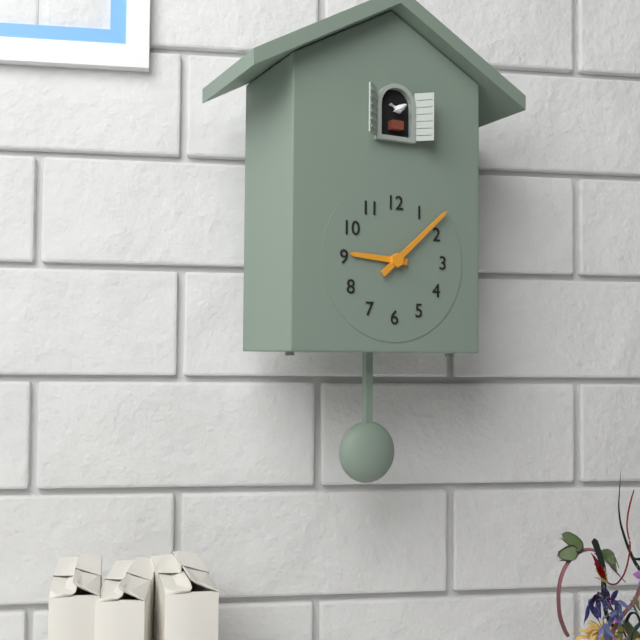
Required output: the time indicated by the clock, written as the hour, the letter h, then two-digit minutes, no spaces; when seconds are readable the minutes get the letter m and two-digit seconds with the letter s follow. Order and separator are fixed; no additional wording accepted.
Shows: 9h08
